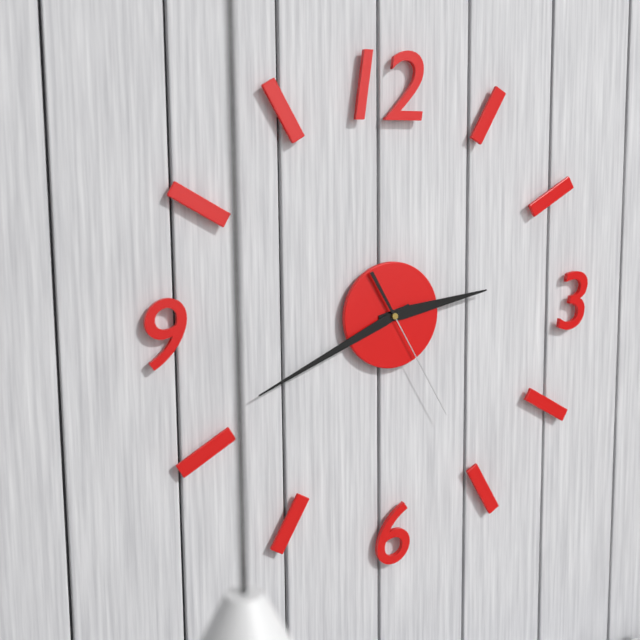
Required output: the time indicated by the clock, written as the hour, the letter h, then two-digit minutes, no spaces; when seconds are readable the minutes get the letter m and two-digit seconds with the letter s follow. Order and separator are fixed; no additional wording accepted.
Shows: 2h41m25s
